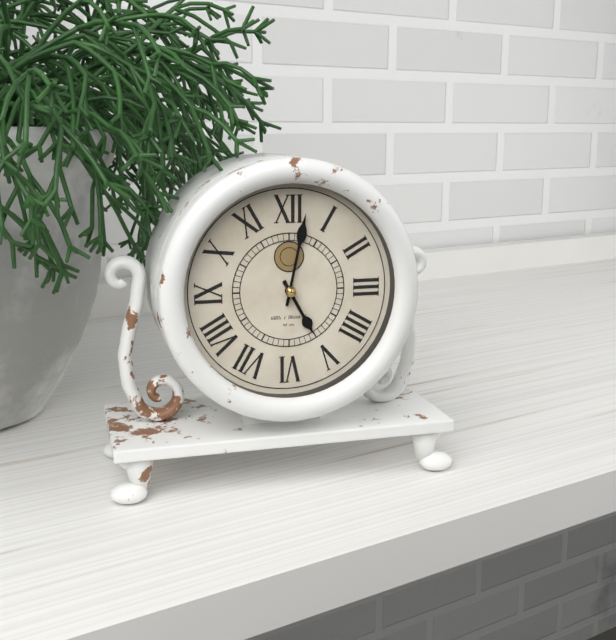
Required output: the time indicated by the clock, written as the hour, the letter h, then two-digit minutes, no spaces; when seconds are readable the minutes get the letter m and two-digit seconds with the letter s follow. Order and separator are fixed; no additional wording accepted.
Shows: 5h02
